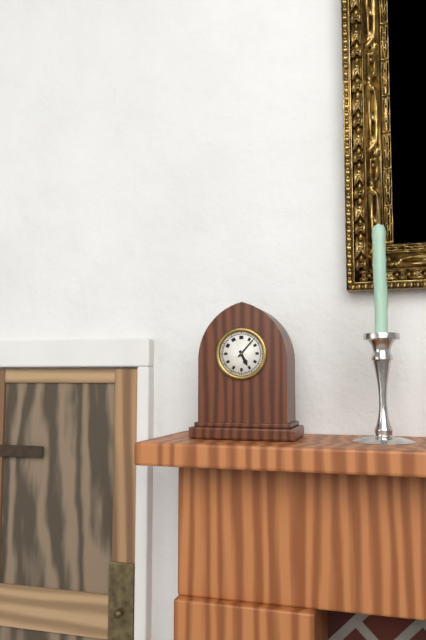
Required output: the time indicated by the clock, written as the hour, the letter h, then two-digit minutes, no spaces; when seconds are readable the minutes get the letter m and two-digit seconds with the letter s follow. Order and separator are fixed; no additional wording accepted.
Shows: 5h07
